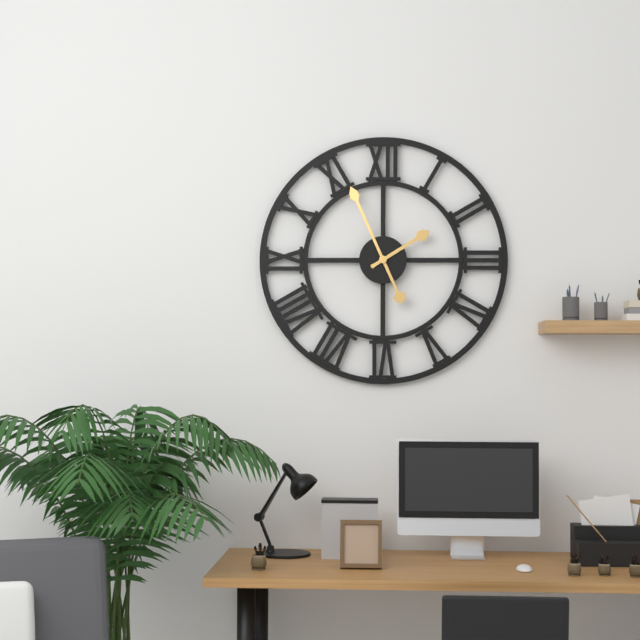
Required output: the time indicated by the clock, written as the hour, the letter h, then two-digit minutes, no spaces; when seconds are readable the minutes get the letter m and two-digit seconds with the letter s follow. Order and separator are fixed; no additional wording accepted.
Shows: 1h56
